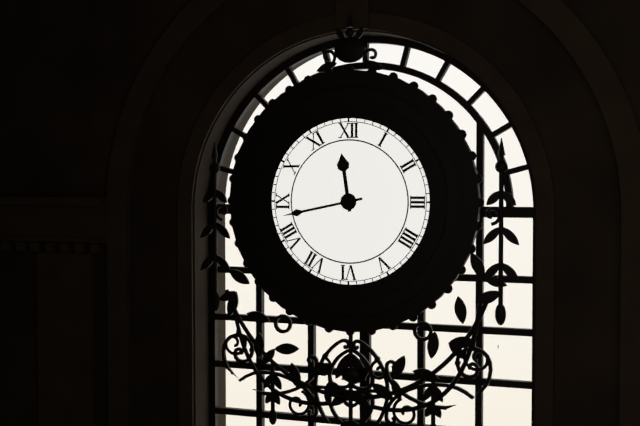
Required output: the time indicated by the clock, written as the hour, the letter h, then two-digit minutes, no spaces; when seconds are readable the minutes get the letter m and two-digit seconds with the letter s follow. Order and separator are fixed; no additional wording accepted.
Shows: 11h43
